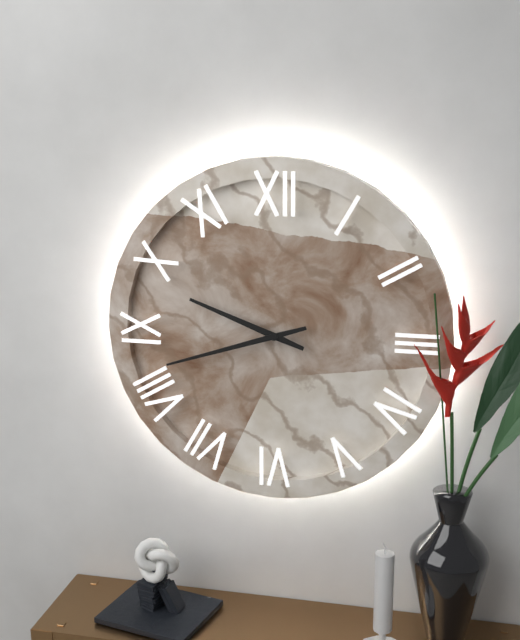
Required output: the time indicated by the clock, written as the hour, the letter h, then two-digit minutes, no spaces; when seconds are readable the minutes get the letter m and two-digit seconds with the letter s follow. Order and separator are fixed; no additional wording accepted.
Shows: 9h42
